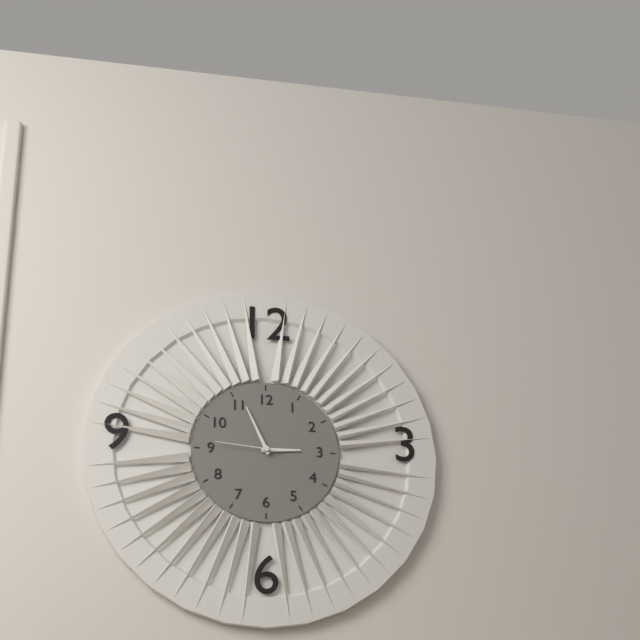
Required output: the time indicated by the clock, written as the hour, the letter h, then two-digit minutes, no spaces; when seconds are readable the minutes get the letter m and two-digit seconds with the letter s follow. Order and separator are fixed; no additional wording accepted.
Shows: 2h56m46s
